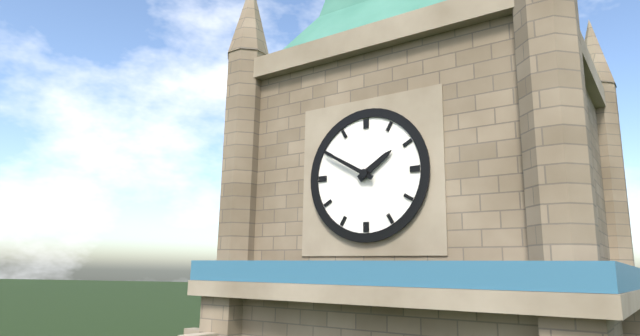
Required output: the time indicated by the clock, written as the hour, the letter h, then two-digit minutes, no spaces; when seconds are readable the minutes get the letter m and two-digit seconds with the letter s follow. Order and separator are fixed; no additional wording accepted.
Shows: 1h50
